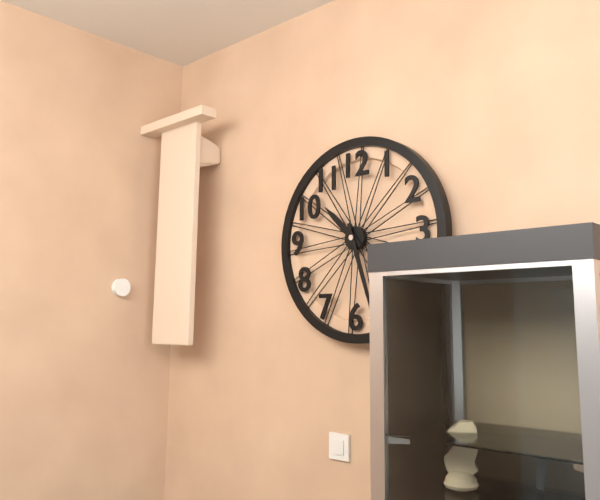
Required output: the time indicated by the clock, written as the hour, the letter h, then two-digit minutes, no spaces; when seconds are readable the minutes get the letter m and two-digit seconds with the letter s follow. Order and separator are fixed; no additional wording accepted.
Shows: 10h27
